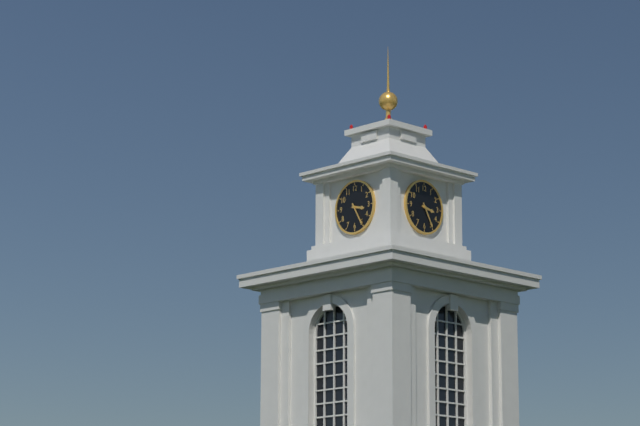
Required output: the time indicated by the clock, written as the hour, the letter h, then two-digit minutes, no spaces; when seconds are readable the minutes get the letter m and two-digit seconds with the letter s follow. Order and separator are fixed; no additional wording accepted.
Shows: 3h25
